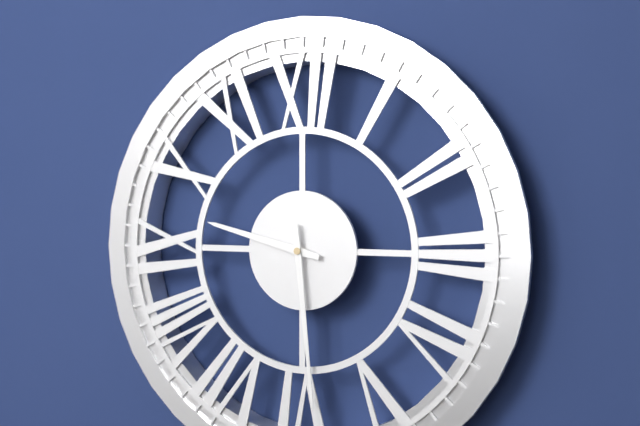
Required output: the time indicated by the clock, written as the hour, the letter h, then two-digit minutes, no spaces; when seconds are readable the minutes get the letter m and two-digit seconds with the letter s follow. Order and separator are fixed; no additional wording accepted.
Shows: 9h29
